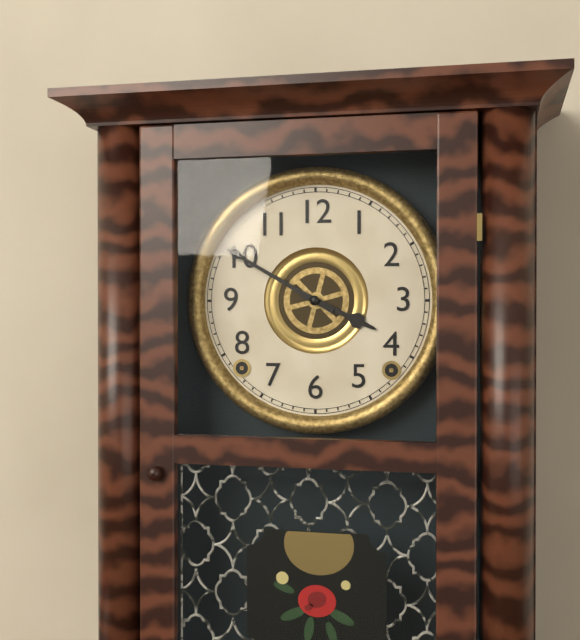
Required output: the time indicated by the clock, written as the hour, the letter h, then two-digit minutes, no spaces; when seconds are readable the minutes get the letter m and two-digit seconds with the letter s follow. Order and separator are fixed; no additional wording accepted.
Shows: 3h50
